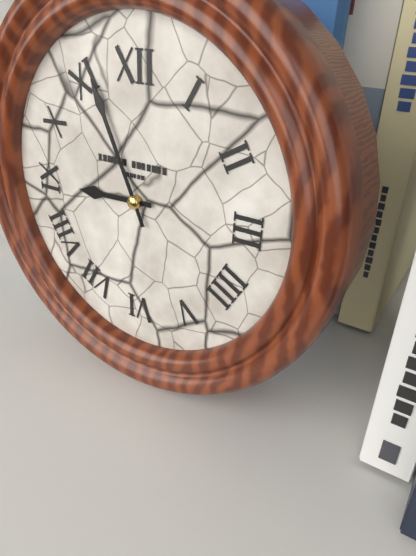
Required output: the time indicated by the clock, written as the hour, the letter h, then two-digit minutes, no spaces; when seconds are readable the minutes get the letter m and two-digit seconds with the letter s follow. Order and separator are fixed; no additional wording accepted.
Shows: 8h56
